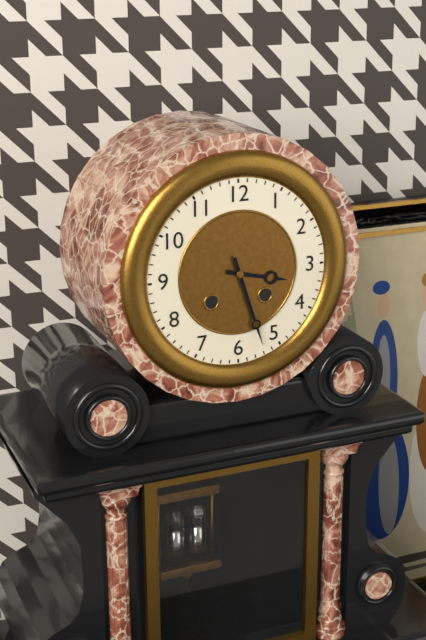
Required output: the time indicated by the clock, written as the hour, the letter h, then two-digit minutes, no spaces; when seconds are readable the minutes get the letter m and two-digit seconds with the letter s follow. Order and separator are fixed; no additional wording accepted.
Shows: 3h27
